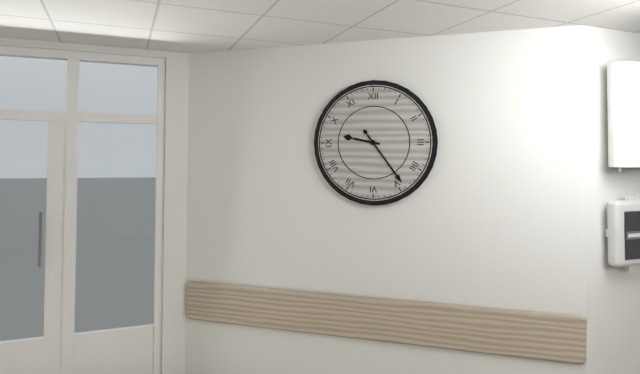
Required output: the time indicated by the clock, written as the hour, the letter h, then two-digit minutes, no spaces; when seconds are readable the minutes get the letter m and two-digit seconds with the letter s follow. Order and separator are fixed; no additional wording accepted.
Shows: 9h24
